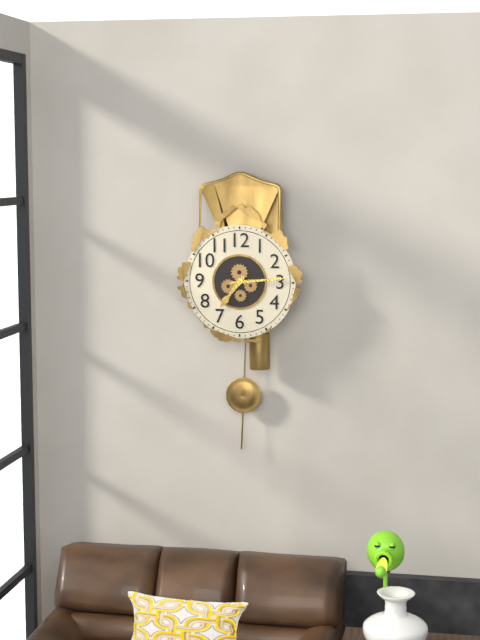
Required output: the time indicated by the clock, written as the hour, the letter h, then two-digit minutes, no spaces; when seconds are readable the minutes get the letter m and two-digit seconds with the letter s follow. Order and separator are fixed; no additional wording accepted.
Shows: 7h14
